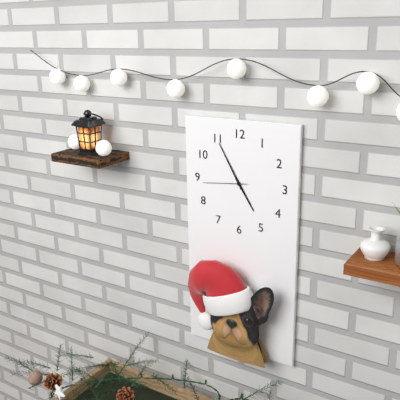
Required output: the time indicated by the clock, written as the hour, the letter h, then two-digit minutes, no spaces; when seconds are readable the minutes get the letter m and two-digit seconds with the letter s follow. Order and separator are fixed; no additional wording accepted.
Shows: 4h55
